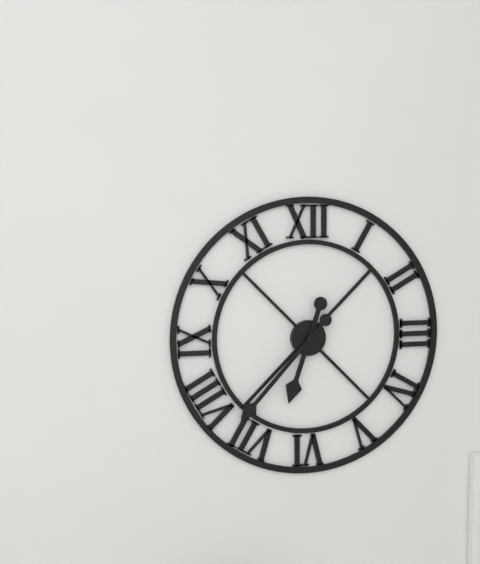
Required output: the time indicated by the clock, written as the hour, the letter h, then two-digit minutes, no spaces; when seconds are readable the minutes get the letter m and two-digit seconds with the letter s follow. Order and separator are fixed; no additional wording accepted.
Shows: 6h37
